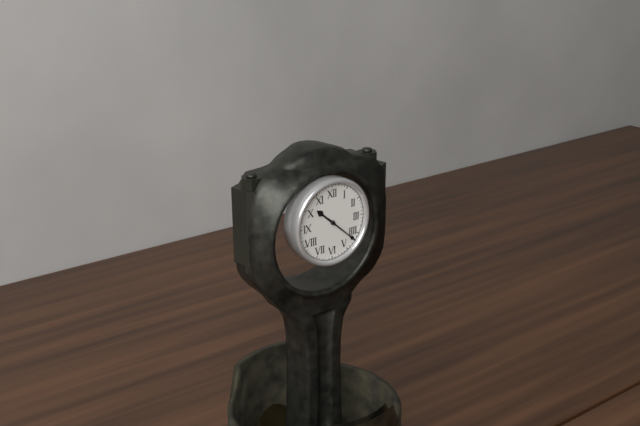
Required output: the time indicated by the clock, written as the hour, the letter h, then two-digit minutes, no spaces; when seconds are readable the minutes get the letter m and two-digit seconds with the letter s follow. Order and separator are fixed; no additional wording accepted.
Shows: 10h22
